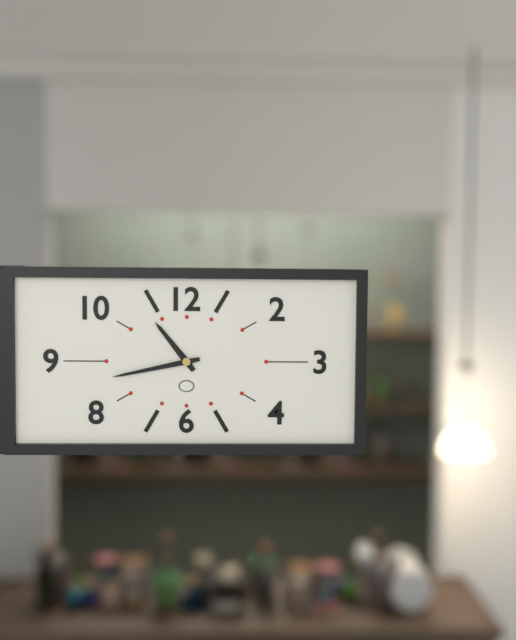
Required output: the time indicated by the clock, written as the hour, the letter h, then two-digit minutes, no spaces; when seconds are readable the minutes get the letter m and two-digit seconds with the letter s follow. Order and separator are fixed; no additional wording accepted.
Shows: 10h43
